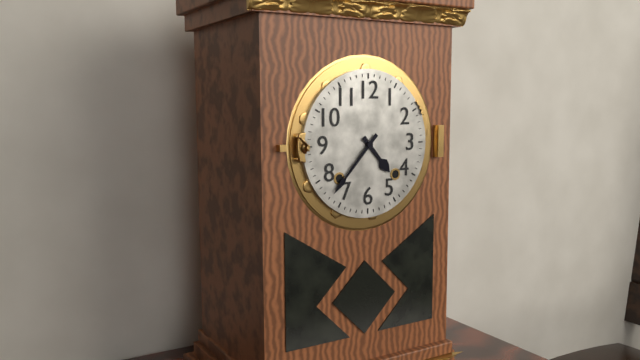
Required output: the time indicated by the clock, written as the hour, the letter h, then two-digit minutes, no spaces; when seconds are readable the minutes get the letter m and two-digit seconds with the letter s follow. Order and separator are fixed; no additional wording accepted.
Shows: 4h37
